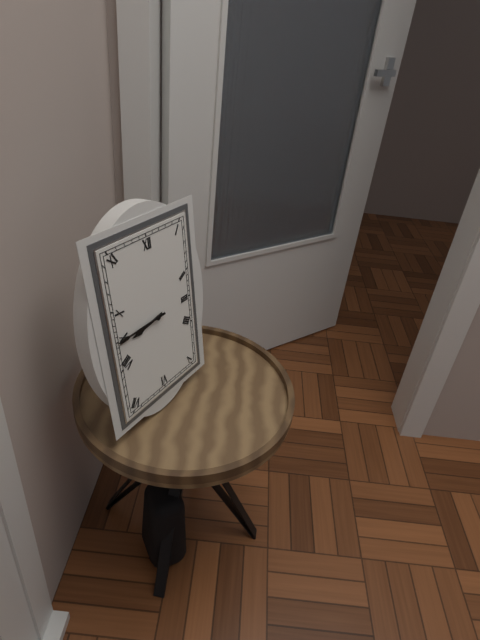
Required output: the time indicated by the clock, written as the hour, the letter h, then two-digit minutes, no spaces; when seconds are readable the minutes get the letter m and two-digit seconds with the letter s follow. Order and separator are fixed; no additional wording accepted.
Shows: 8h45
